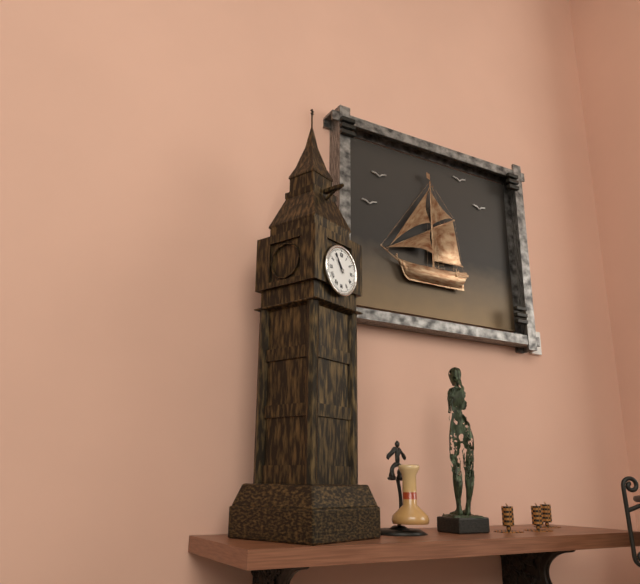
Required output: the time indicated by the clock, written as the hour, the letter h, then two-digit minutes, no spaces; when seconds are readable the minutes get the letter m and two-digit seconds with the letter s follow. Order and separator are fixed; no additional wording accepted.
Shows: 10h54
